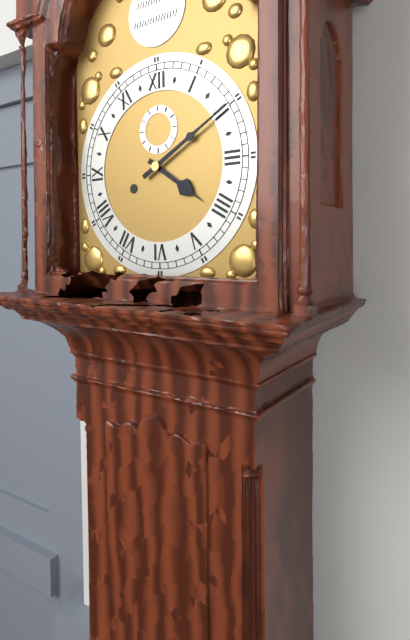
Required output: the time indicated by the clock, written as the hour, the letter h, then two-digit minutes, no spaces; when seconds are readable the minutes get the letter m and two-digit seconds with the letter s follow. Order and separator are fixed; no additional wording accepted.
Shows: 4h10
